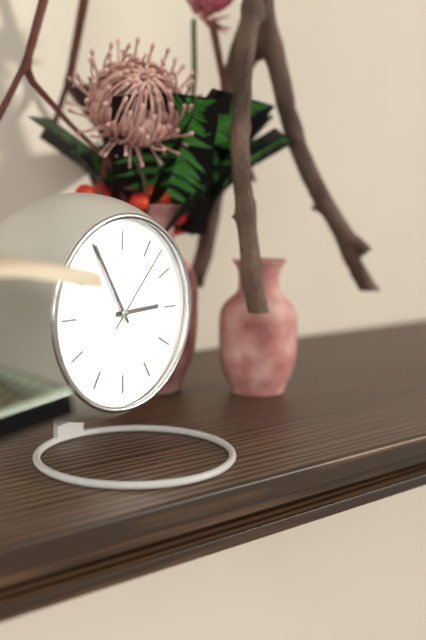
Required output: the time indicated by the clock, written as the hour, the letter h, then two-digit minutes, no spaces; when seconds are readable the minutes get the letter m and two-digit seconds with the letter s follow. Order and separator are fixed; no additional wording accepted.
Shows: 2h55m07s
